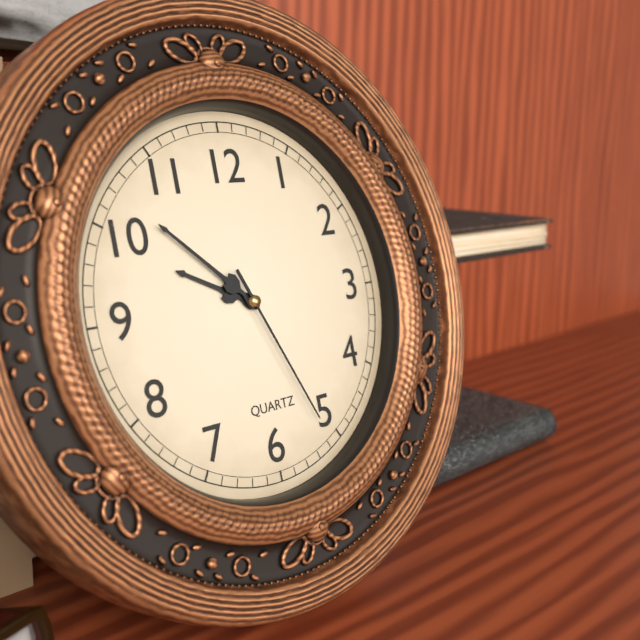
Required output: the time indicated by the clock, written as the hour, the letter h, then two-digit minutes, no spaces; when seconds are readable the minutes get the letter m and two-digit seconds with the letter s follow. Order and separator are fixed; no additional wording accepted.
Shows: 9h52m26s
